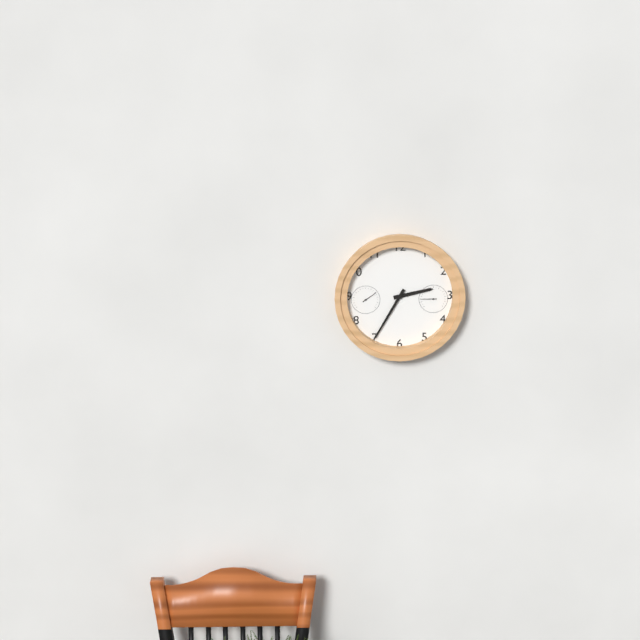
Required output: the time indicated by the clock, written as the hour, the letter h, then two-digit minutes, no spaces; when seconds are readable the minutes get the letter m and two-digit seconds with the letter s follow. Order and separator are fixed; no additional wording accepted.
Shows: 2h35
